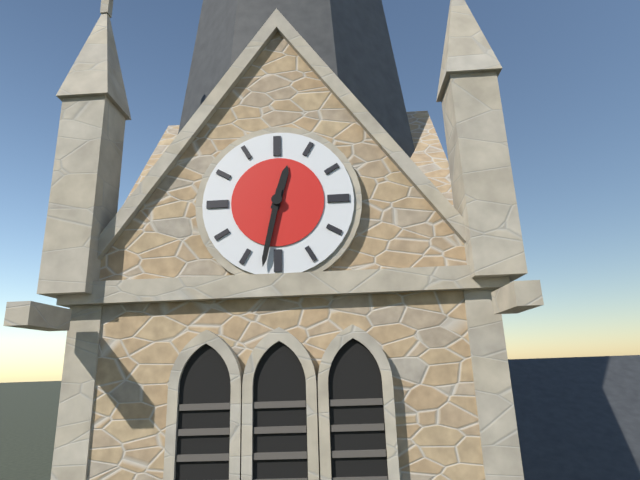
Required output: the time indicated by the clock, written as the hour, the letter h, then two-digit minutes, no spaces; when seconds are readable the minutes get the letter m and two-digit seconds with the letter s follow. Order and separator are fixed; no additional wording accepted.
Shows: 12h32
